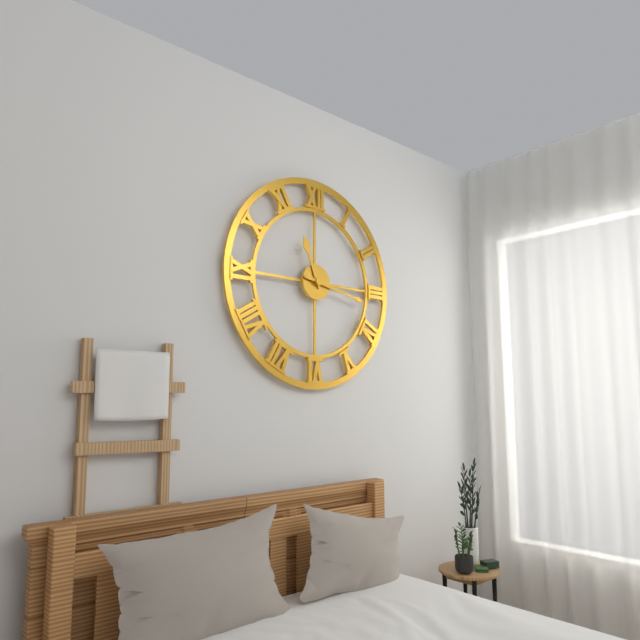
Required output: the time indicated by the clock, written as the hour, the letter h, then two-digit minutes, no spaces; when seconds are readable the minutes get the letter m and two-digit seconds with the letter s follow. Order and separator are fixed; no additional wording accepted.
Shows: 11h17
